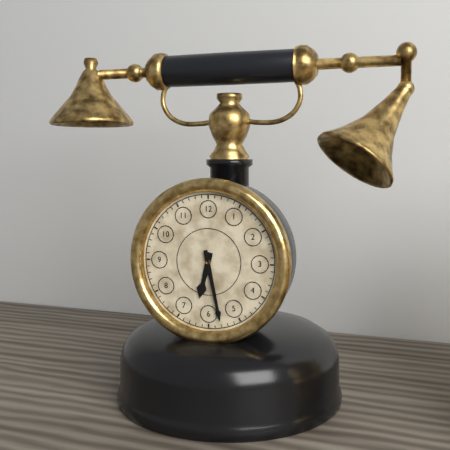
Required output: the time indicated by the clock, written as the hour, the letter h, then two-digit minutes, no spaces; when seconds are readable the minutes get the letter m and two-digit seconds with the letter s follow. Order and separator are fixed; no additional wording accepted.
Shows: 6h28
